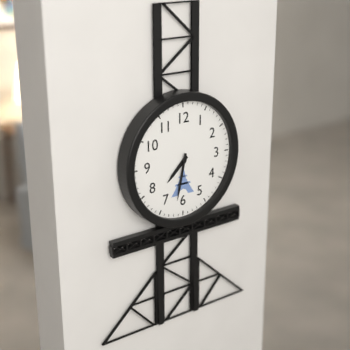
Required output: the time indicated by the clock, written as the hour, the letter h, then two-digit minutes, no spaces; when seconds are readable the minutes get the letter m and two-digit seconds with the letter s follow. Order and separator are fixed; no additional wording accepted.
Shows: 7h32
